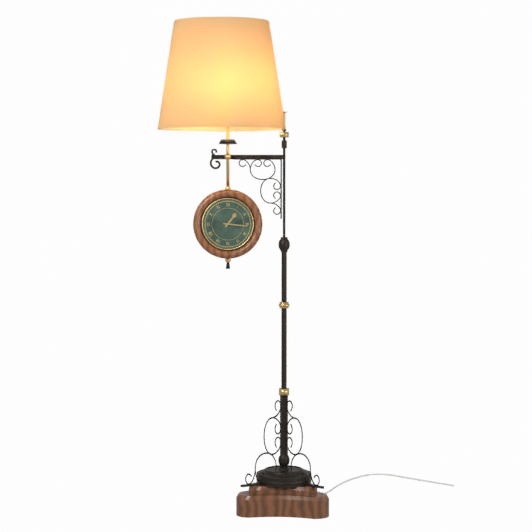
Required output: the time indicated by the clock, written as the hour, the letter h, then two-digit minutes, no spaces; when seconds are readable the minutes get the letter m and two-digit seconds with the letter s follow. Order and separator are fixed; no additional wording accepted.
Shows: 1h16
